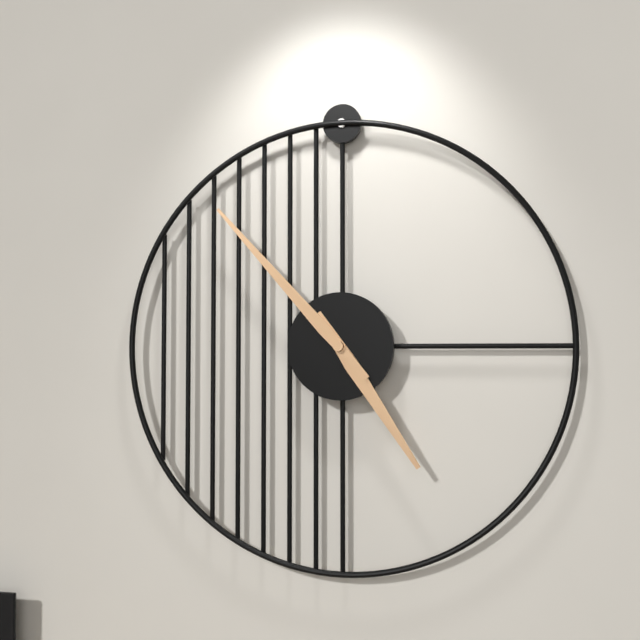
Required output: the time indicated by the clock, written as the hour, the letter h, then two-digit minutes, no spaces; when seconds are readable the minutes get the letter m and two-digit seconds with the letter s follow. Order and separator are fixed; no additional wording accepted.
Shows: 4h53
